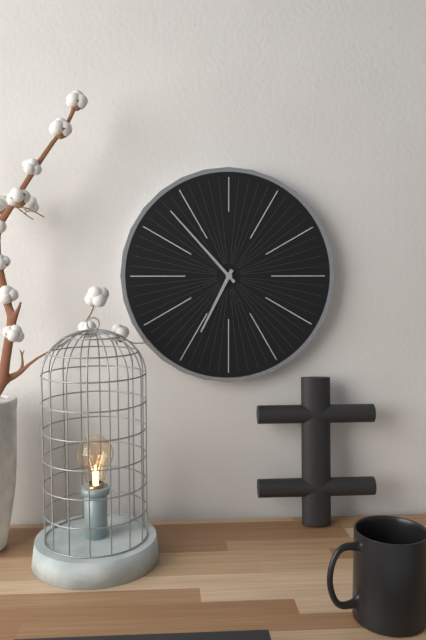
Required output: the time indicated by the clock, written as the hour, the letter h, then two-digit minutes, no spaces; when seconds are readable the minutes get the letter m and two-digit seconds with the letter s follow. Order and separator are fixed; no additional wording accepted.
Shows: 6h53
